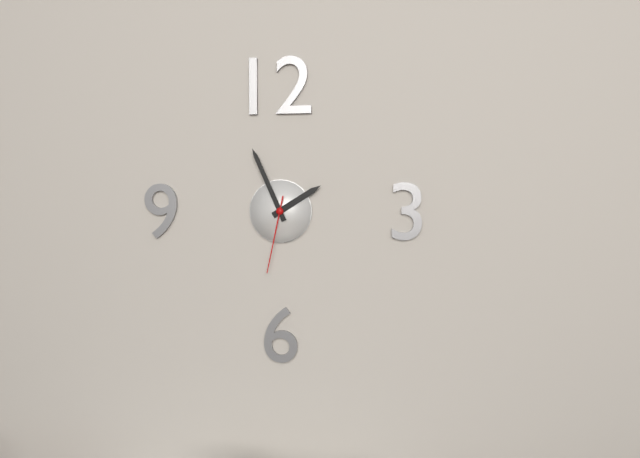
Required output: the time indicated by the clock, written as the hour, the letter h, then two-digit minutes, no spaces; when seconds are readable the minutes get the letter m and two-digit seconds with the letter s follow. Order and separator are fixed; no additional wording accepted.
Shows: 1h56m32s
